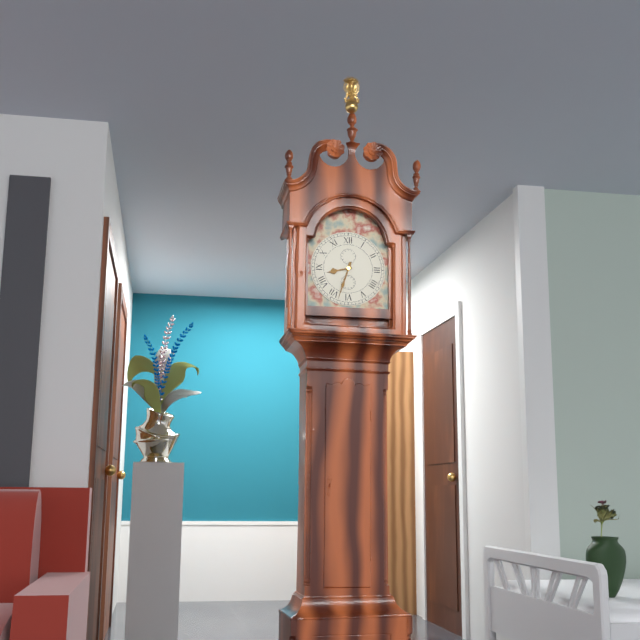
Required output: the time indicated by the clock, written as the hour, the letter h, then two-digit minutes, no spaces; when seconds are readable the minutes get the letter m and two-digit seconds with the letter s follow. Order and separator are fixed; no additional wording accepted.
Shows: 8h33
